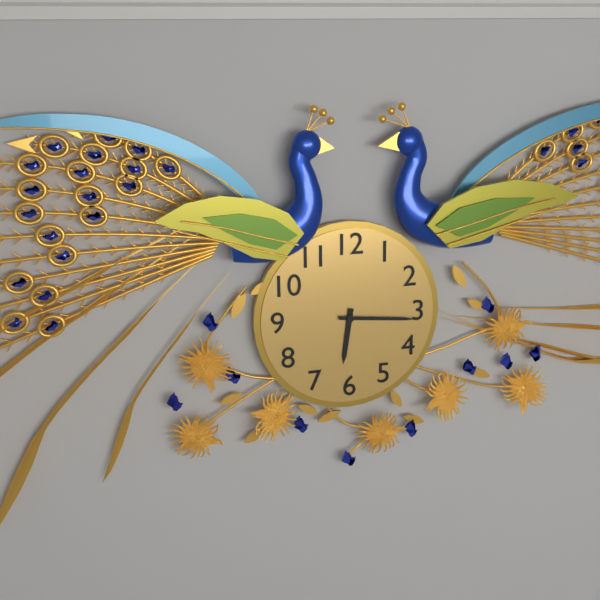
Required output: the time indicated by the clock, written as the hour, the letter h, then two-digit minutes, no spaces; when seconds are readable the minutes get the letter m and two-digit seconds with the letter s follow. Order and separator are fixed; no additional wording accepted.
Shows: 6h16
